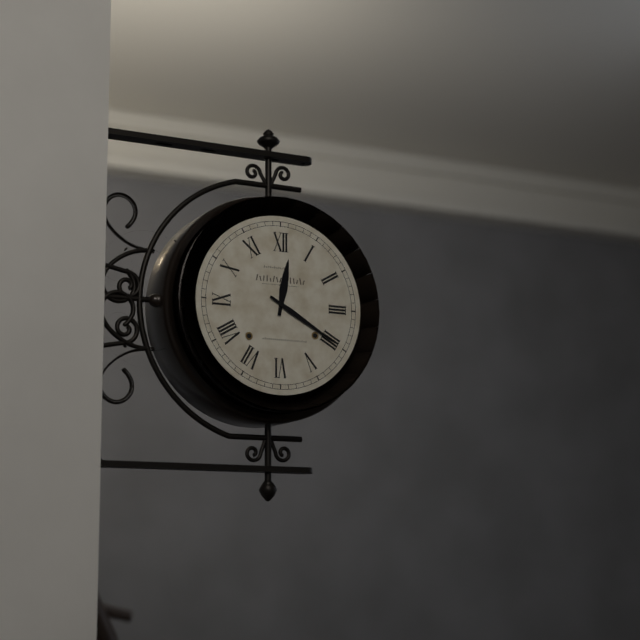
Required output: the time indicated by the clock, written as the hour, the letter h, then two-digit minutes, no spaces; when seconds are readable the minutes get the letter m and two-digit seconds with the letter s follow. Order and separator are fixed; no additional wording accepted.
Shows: 12h20
